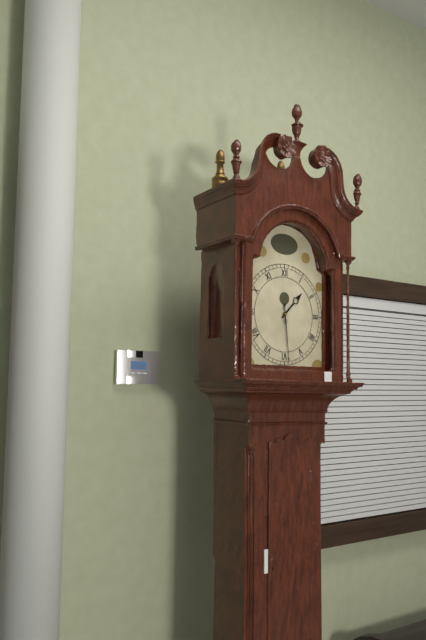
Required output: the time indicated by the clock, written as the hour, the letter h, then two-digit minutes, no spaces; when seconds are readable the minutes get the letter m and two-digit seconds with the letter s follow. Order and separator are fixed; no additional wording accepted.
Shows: 1h29
